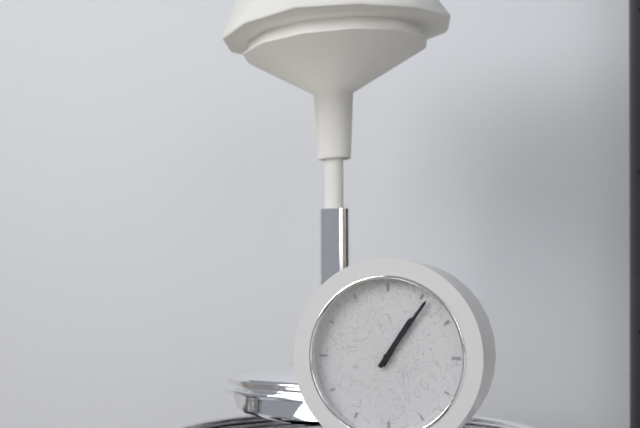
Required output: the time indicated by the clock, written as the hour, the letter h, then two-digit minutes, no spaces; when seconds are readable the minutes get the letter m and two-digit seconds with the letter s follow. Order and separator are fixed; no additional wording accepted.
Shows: 1h06
